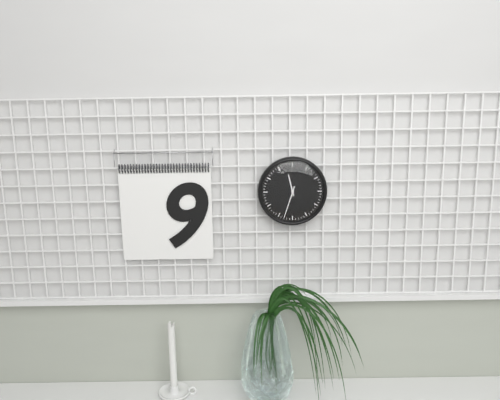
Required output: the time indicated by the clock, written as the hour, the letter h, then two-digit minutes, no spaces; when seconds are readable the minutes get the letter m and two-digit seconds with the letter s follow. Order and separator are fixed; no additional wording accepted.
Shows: 11h33
